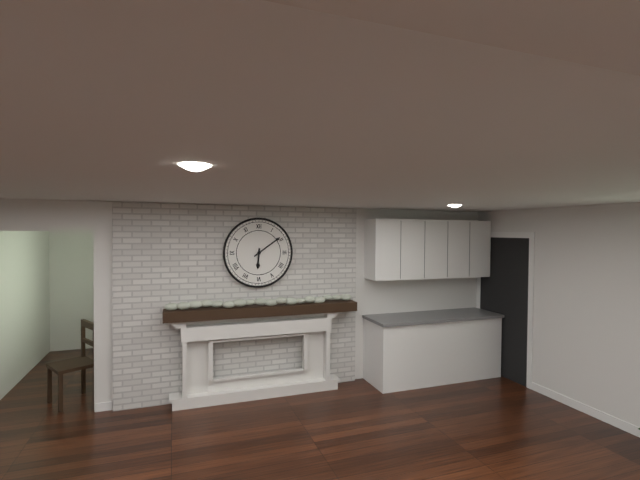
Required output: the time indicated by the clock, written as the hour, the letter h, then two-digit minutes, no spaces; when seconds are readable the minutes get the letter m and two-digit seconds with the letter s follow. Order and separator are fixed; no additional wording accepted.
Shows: 6h09
